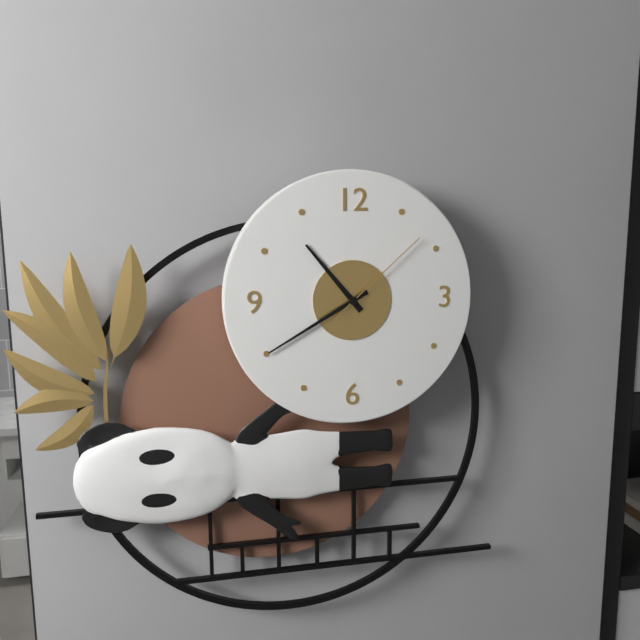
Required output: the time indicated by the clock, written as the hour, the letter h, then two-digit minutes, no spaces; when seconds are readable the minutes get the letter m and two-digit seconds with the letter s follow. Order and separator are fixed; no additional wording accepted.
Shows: 10h40m08s
